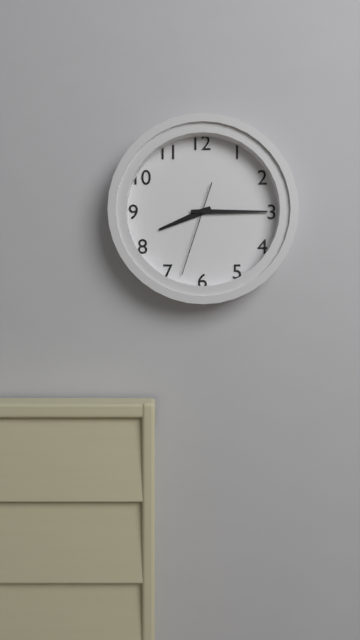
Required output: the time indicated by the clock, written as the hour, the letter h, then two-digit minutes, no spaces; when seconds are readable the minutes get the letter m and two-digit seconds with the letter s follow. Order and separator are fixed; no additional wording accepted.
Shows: 8h15m33s
